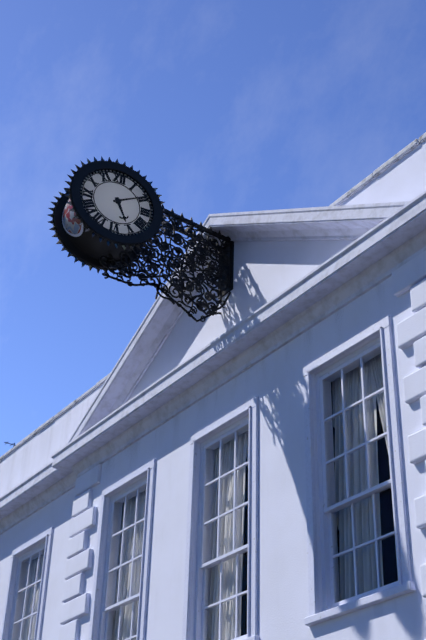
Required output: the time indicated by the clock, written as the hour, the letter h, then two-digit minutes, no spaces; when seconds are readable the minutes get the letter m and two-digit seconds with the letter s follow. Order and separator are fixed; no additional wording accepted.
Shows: 5h10
